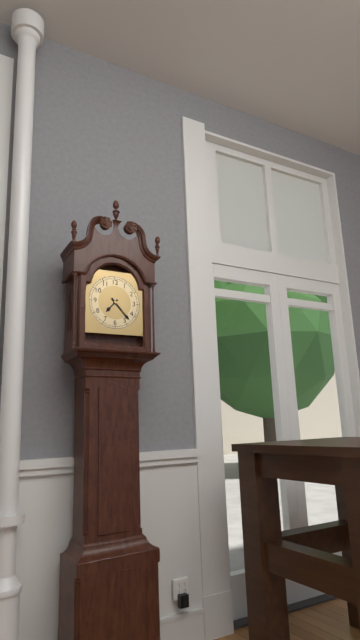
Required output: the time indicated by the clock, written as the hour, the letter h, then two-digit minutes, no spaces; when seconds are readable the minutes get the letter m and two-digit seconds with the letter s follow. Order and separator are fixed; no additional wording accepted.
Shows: 7h23
